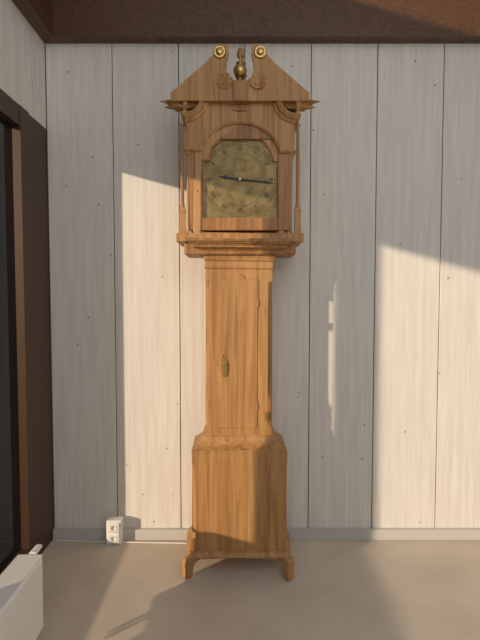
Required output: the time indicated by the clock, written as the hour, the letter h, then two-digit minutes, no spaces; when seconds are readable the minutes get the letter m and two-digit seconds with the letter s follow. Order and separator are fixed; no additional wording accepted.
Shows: 9h16
